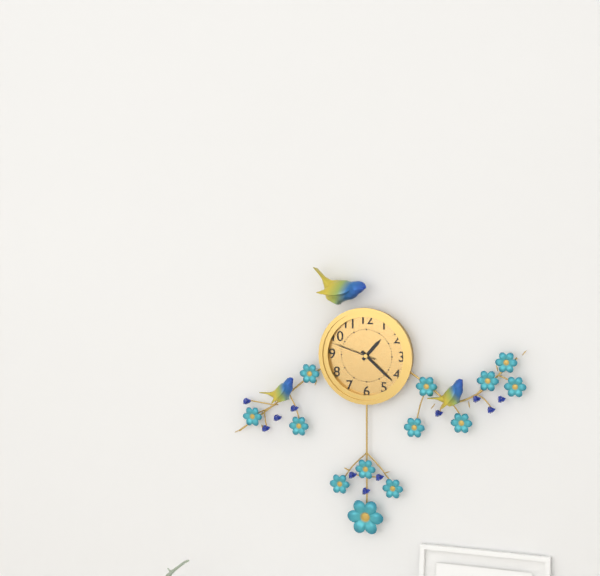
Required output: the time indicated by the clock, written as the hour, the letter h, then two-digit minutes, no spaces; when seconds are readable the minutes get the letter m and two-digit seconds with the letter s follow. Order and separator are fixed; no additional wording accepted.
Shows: 1h22
